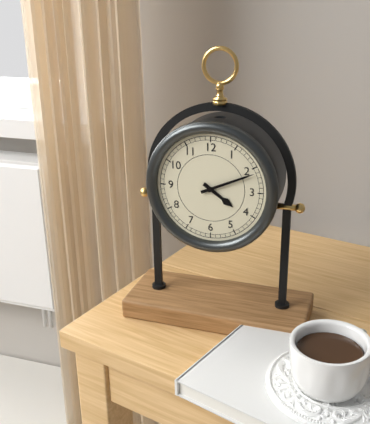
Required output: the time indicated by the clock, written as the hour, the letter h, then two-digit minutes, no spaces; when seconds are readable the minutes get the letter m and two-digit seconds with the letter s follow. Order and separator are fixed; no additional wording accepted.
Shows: 4h11
